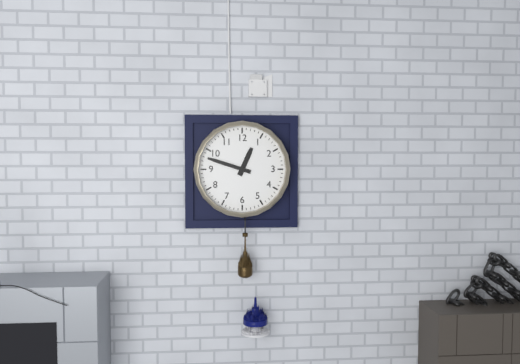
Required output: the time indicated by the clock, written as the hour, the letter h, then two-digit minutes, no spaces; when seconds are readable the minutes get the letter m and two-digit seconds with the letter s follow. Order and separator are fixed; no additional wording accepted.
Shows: 12h48
